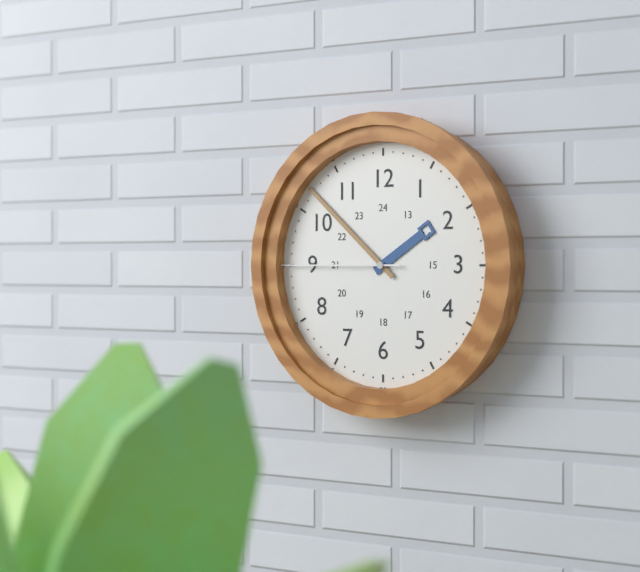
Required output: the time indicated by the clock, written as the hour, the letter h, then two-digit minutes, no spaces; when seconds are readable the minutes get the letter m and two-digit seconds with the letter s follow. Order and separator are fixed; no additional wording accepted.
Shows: 1h52m45s
